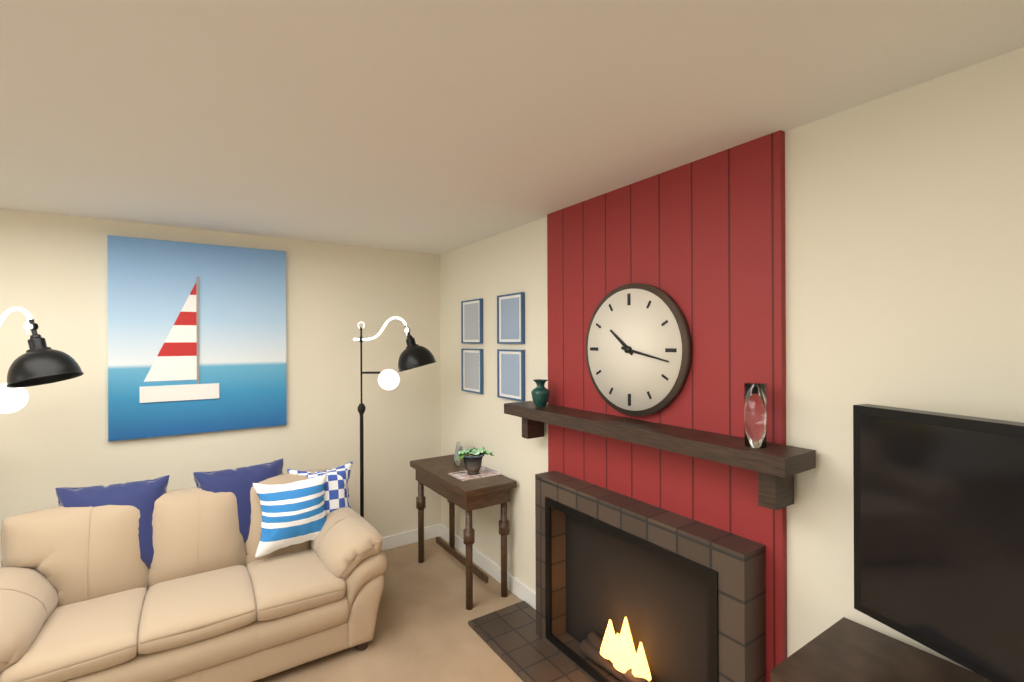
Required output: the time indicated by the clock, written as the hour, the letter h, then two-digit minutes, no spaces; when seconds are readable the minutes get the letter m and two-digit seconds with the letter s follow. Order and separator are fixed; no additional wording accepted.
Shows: 10h17
